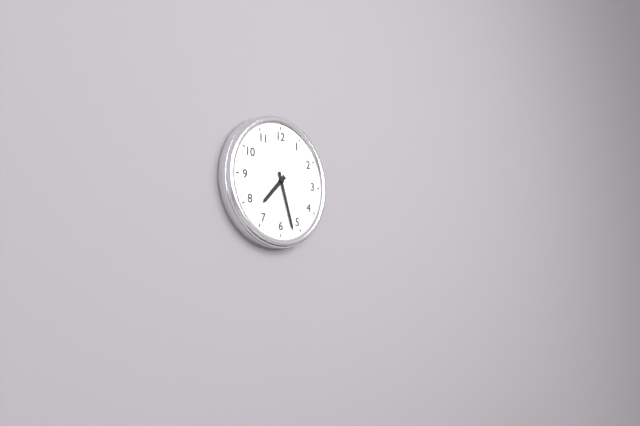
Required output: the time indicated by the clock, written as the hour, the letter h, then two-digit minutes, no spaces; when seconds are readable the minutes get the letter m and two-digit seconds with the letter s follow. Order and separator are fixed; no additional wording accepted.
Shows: 7h27
